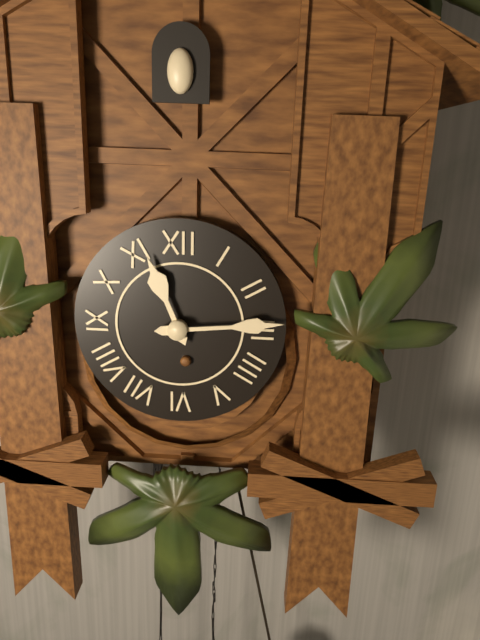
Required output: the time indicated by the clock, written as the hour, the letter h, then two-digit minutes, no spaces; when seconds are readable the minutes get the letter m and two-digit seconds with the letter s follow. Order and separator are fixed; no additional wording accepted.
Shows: 11h14
